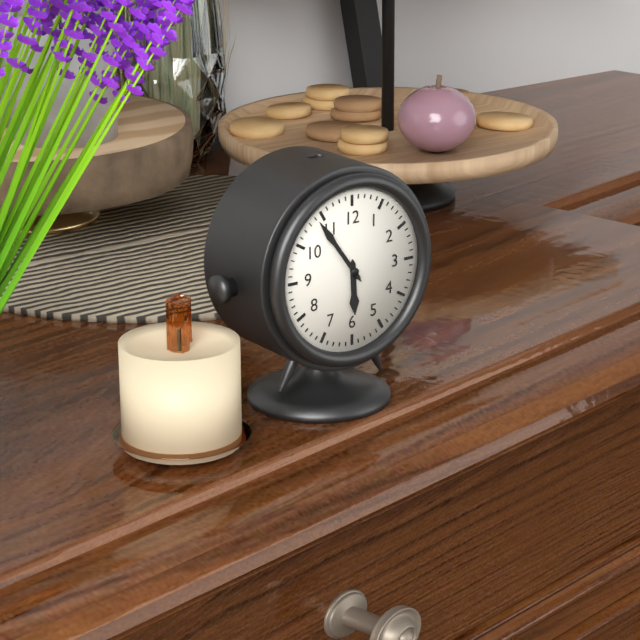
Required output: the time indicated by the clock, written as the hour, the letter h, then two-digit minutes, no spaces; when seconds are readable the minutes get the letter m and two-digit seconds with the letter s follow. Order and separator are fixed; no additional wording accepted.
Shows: 5h54
